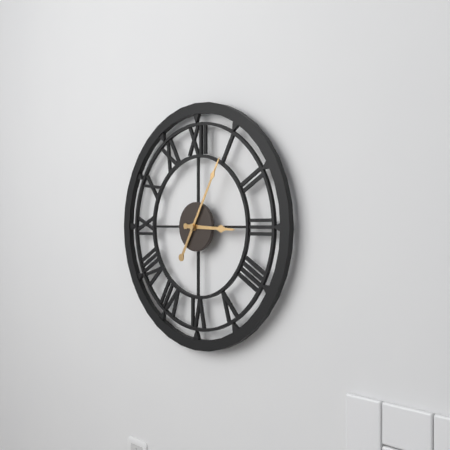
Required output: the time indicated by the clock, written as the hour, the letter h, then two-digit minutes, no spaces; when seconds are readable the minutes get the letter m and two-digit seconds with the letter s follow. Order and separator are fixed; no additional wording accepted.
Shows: 3h05
